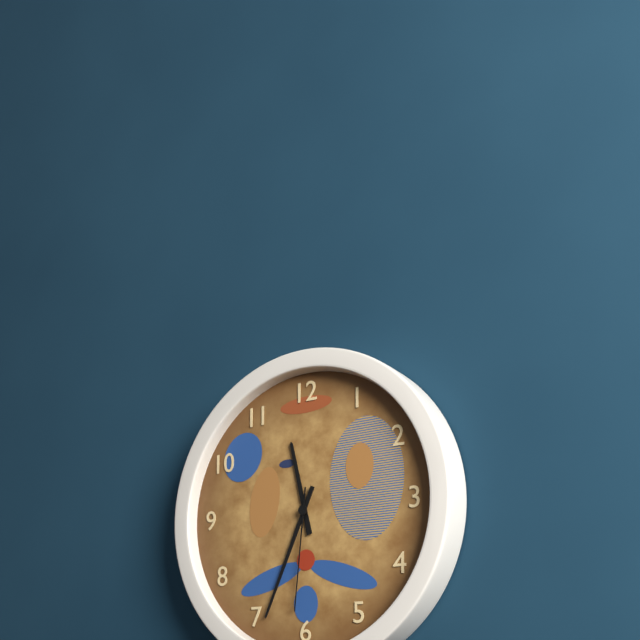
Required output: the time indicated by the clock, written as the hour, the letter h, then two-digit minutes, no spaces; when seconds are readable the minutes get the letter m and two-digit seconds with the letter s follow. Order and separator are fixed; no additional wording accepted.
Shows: 11h34m31s
